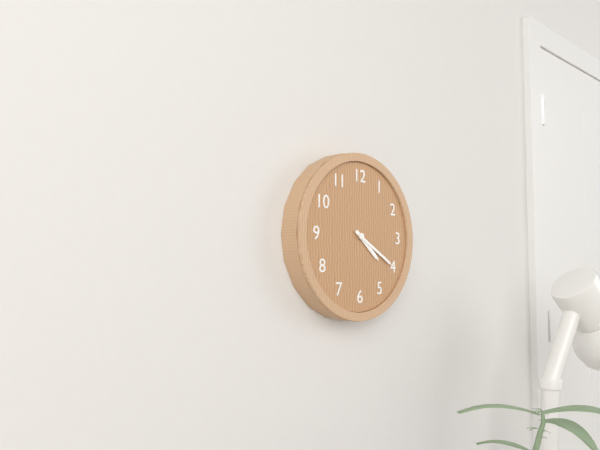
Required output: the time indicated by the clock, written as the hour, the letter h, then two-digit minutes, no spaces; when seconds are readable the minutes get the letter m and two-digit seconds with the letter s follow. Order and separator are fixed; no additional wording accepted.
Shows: 4h20
